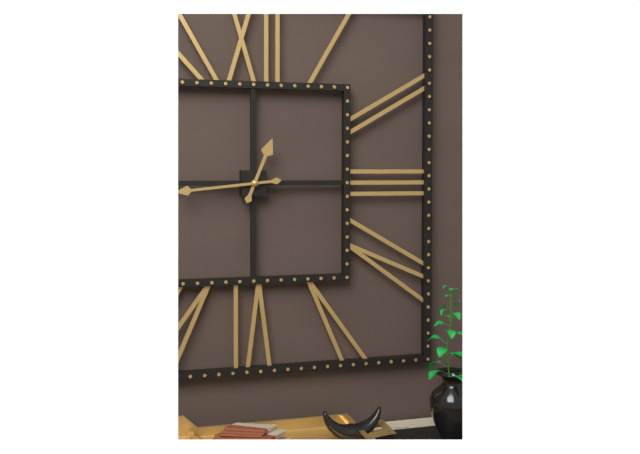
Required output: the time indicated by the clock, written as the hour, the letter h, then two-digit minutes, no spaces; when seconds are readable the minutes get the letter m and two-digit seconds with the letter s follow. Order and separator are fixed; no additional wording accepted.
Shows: 12h44
